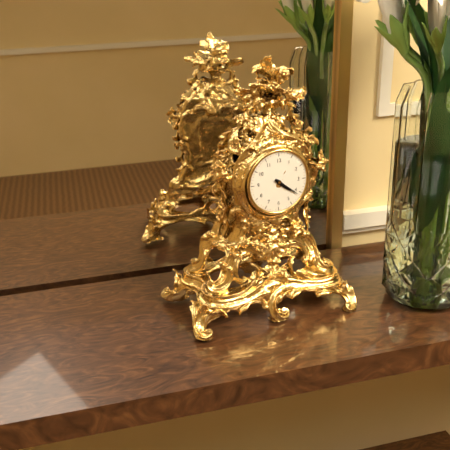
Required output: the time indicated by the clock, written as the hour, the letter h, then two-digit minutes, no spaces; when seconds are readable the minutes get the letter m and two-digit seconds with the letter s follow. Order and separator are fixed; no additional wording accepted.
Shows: 4h21
